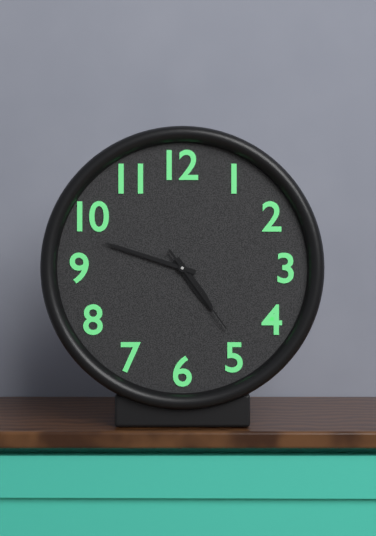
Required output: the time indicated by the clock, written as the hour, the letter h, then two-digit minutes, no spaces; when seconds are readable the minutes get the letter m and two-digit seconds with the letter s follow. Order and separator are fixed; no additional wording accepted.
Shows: 4h48m24s
